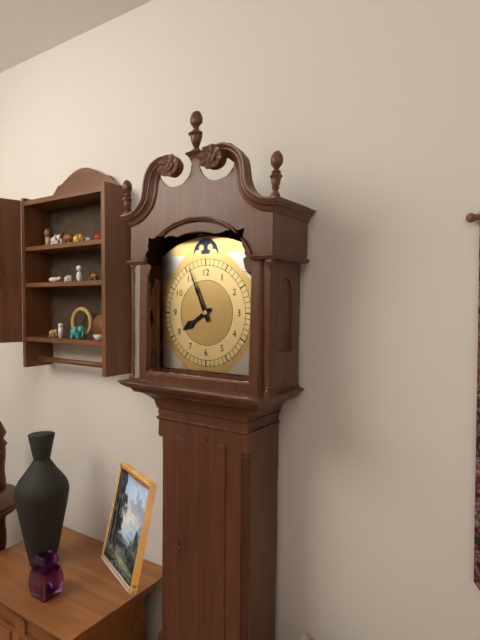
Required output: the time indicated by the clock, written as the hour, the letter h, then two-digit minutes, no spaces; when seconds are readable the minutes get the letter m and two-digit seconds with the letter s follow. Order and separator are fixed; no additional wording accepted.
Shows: 7h56
